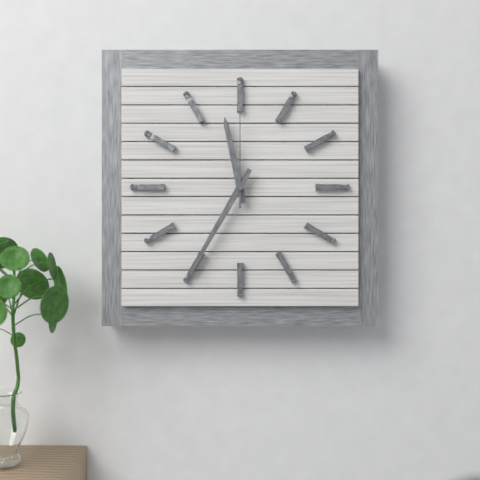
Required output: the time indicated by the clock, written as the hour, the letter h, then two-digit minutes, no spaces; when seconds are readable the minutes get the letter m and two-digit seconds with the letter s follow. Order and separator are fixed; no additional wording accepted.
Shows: 11h35m00s
